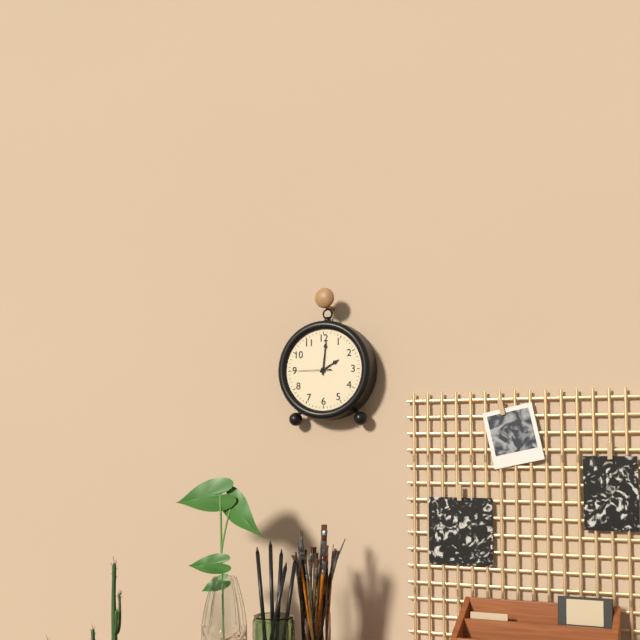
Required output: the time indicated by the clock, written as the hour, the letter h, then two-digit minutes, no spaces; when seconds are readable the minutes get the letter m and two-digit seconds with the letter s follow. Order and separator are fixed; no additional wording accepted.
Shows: 2h01
